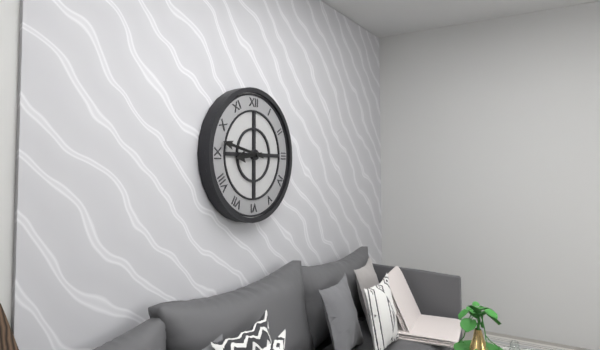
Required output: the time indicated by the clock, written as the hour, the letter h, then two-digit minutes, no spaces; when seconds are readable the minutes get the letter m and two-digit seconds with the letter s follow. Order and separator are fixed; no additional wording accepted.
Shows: 8h47
